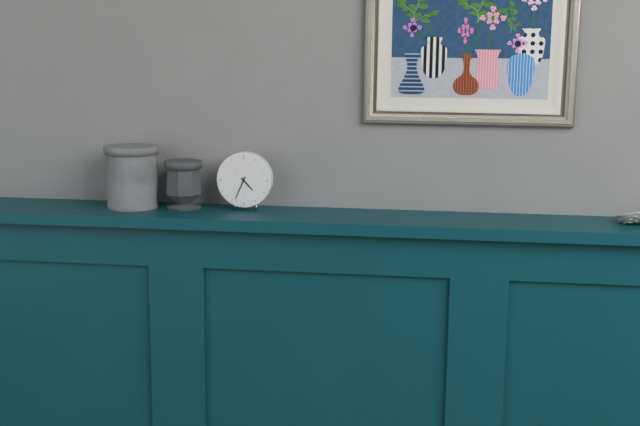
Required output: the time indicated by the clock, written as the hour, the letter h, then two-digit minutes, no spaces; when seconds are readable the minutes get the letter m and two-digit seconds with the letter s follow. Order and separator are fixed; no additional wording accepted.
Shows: 4h34
